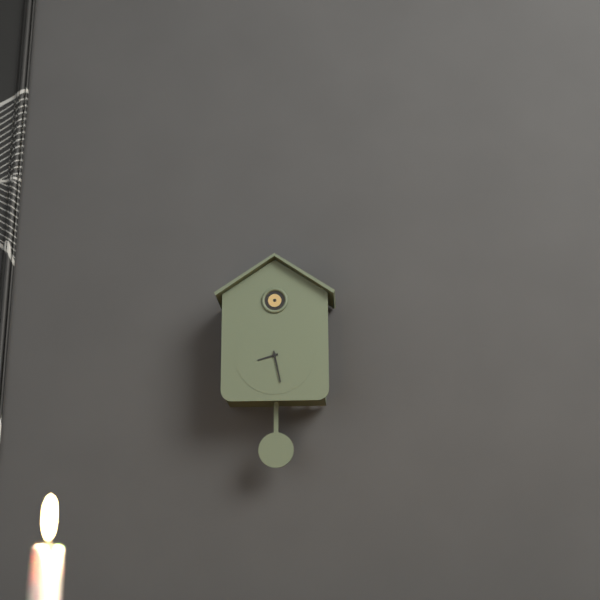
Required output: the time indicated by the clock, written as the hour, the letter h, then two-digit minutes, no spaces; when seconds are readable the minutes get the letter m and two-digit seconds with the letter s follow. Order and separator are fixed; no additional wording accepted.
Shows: 8h28
